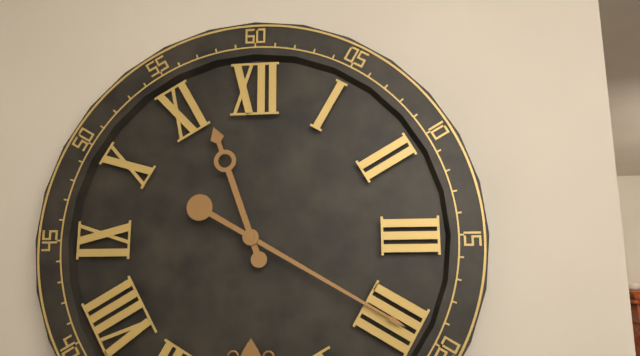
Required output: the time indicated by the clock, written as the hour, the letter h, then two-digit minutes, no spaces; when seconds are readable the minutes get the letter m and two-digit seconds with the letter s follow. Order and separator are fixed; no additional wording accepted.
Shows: 11h20
